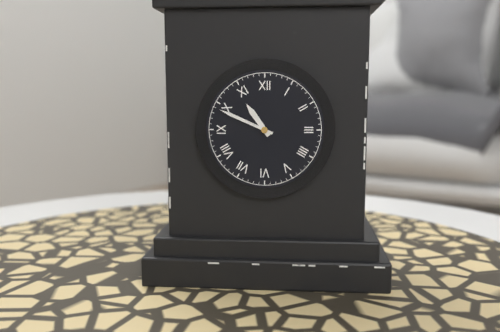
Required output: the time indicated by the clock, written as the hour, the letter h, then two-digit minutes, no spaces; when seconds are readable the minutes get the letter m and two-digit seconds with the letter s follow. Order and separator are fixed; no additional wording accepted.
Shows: 10h49
